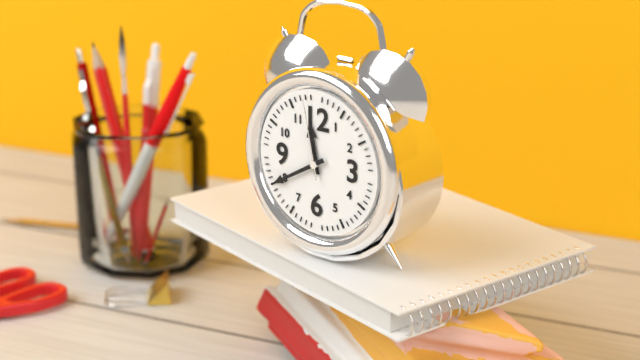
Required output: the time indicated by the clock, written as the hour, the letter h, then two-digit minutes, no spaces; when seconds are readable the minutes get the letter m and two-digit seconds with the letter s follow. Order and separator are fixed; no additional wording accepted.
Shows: 11h40m58s
